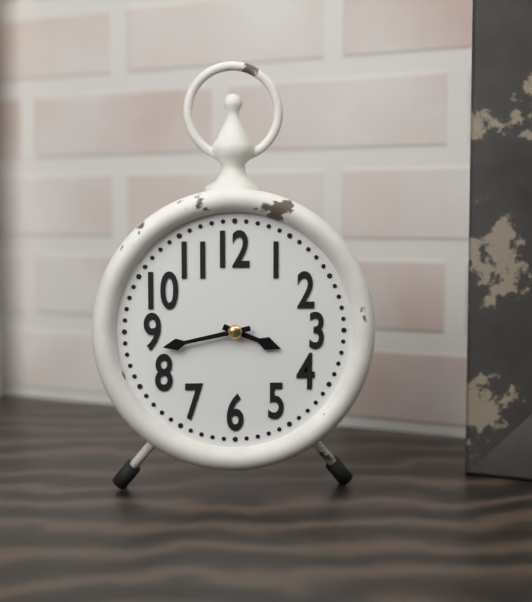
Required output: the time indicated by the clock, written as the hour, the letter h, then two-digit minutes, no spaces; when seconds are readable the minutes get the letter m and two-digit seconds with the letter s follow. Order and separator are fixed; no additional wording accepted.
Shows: 3h43
